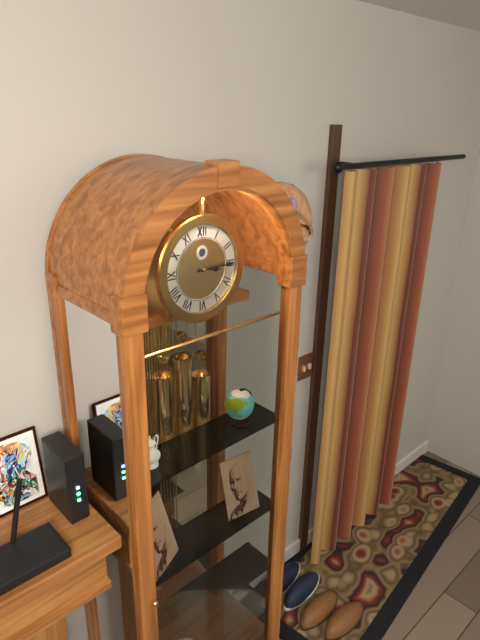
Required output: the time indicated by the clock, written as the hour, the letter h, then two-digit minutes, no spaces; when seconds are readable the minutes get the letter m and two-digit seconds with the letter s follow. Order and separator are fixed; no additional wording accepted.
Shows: 3h15
